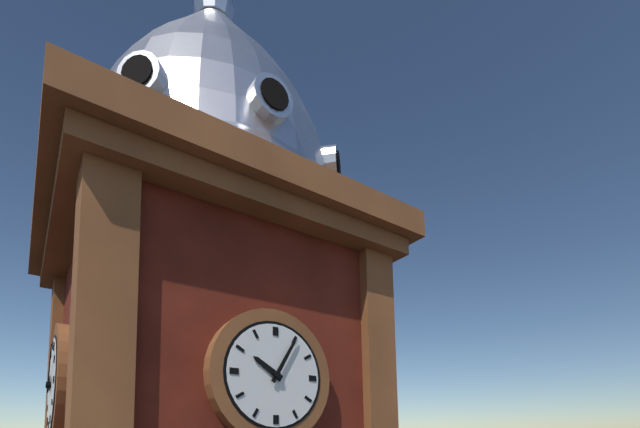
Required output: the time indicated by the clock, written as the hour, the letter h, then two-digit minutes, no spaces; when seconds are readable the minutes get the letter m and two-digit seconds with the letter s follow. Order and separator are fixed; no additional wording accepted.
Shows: 10h05
